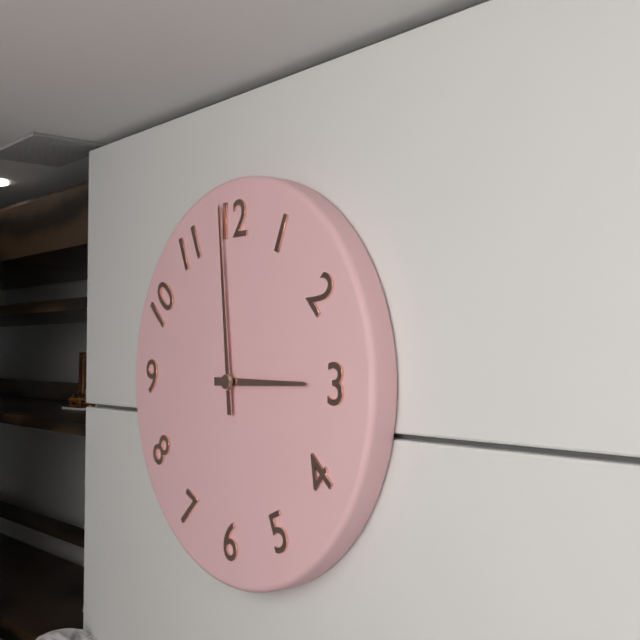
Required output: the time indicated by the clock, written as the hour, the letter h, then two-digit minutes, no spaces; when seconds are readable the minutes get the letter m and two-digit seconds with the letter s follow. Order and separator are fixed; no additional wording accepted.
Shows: 2h59
